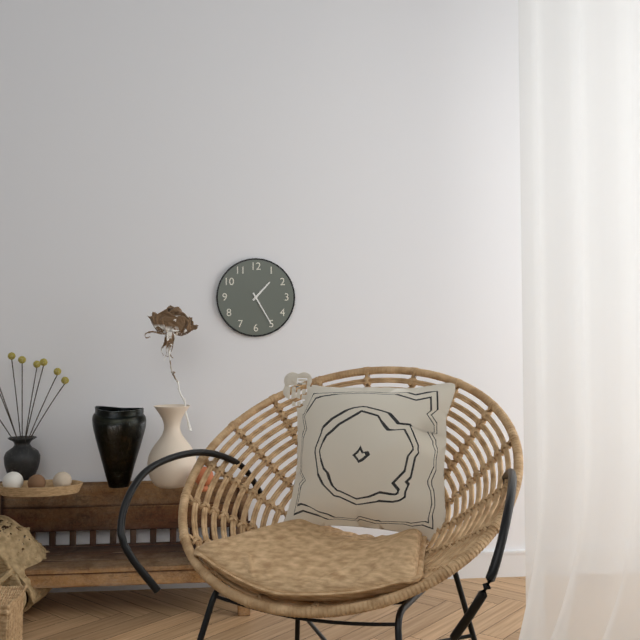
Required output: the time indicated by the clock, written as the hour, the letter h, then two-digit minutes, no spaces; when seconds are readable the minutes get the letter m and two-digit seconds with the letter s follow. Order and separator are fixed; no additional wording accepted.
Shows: 1h25
